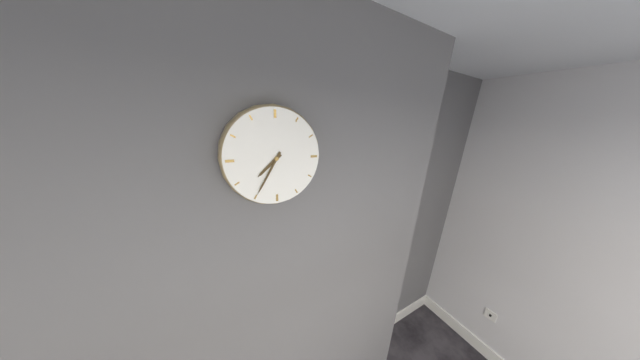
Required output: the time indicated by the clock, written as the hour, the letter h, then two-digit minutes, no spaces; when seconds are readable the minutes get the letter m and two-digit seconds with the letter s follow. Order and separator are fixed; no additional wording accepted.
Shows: 7h35
